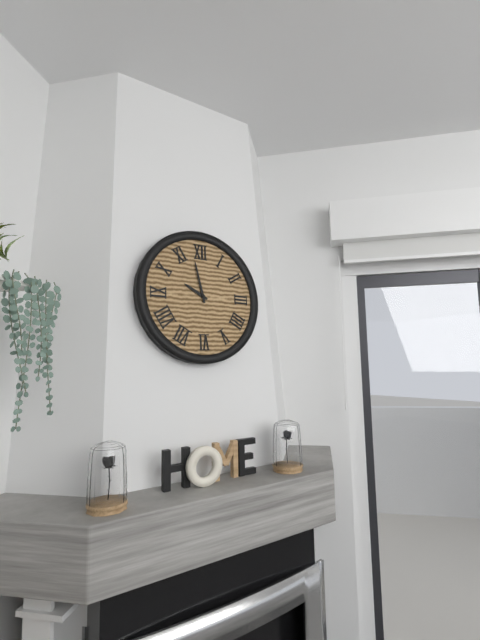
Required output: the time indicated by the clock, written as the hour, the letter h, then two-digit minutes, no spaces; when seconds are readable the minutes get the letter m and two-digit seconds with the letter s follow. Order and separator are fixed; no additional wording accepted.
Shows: 9h58
